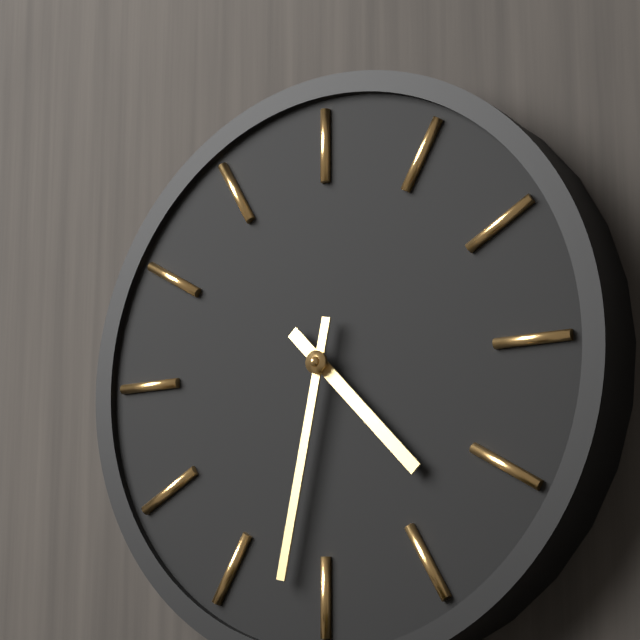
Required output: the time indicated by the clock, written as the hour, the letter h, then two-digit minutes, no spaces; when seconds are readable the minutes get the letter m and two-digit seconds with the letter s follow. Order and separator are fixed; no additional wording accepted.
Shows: 4h32
